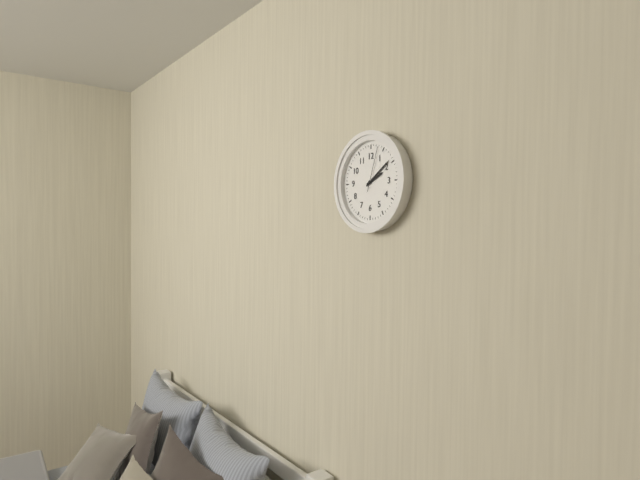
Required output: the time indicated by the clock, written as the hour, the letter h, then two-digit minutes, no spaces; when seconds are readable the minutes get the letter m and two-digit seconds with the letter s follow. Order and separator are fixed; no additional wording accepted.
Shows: 2h09
